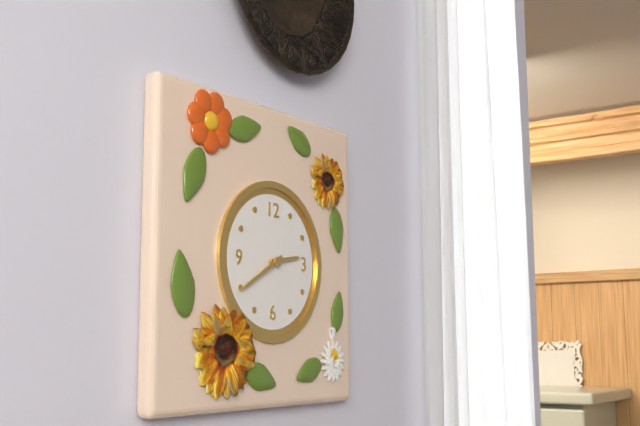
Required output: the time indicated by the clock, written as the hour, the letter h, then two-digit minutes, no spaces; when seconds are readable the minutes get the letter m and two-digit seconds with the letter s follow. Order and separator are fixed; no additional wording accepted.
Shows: 2h40
